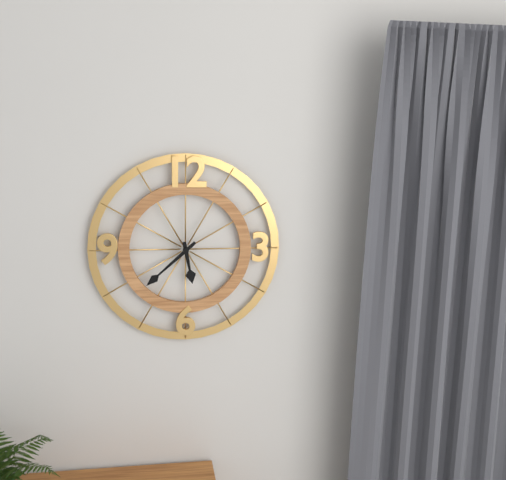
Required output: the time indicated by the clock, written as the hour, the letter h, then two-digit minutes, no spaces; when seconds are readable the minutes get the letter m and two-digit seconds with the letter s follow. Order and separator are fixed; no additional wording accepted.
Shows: 5h38
